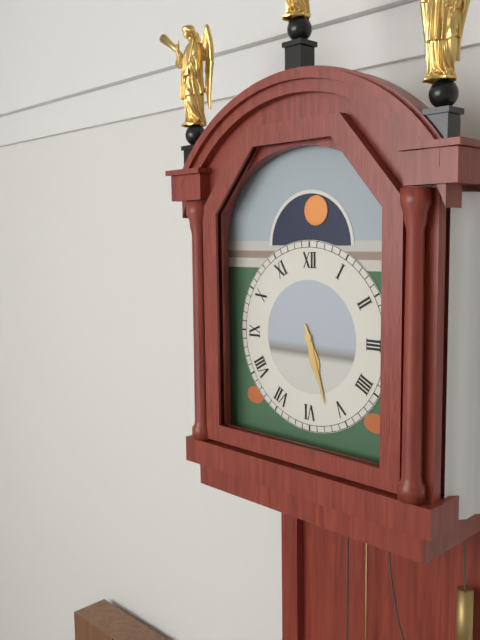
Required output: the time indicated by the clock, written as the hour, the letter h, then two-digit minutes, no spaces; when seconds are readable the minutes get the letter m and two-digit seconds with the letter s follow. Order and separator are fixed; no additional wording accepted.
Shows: 5h27
